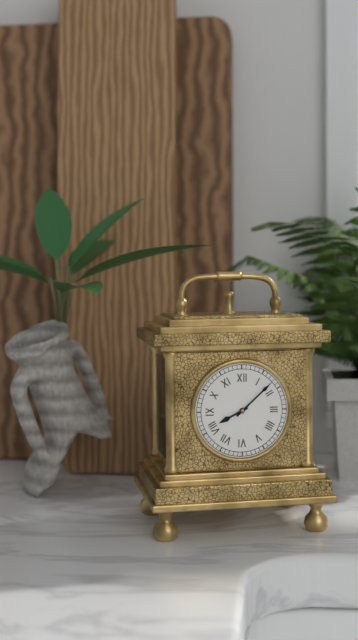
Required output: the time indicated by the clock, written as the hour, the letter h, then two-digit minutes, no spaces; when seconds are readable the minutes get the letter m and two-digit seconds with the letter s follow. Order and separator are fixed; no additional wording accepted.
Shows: 8h08
